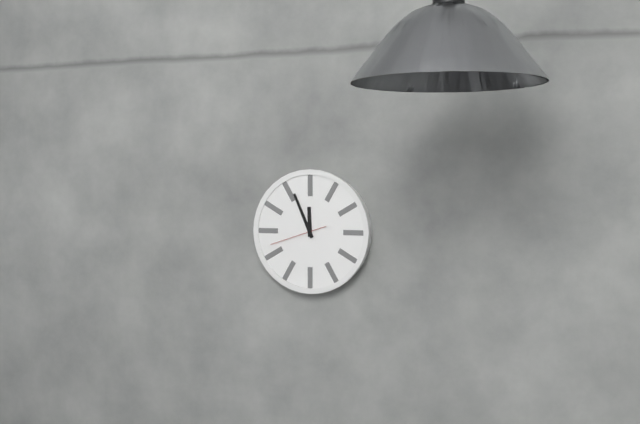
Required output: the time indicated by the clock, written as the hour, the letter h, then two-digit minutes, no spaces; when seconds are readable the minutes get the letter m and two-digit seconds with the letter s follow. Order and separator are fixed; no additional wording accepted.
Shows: 11h56m42s
